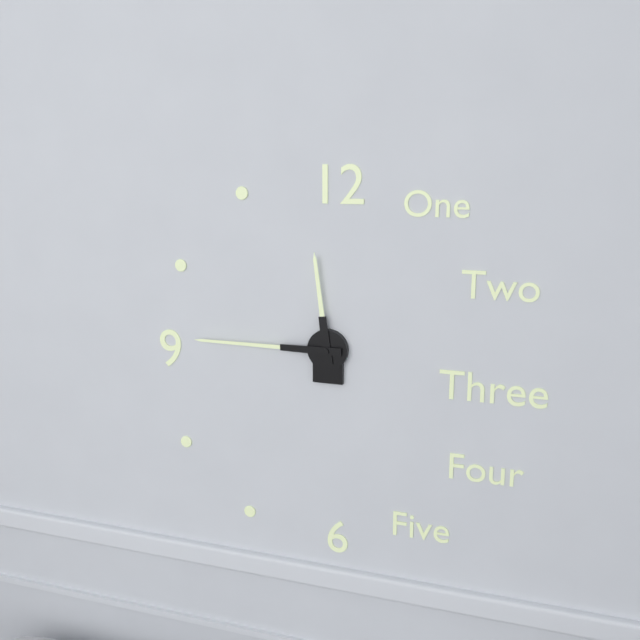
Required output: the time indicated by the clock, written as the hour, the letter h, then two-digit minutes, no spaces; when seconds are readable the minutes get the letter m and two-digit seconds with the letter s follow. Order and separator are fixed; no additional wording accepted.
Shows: 11h45
